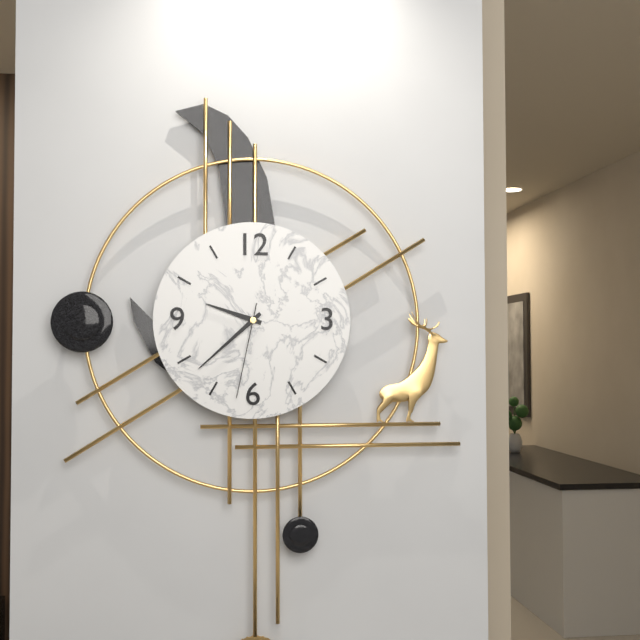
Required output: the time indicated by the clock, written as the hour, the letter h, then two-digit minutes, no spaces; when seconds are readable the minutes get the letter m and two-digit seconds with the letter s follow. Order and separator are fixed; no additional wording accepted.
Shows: 9h38m32s
